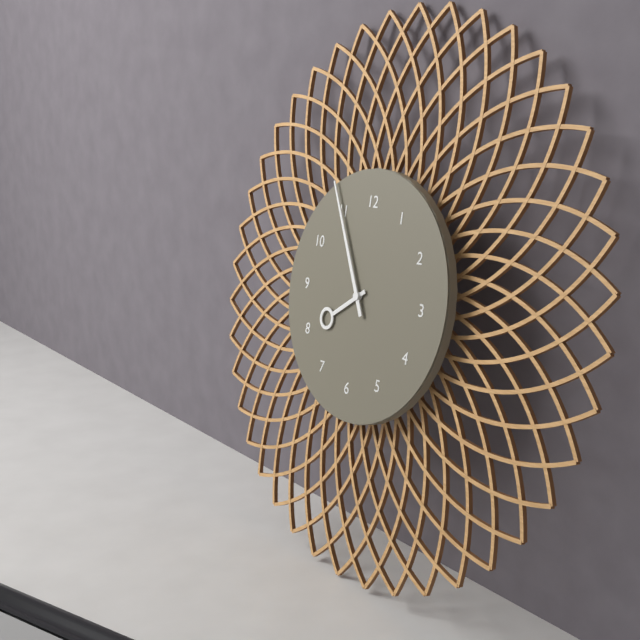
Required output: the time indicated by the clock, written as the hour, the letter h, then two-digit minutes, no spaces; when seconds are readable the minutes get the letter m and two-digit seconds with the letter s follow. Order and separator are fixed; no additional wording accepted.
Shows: 7h55
